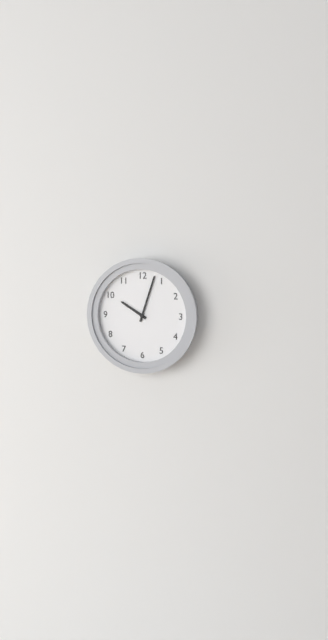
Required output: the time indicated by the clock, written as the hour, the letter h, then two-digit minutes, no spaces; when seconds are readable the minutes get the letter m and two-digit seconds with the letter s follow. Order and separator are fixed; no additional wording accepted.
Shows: 10h03
